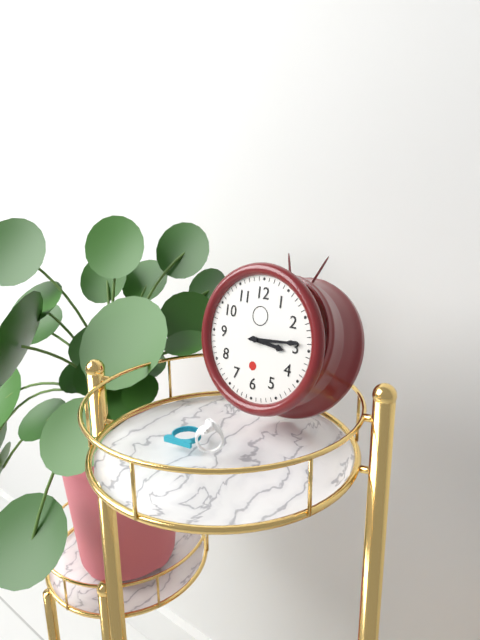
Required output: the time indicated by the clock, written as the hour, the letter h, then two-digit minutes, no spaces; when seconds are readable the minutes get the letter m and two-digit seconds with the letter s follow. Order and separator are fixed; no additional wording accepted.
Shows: 3h14
